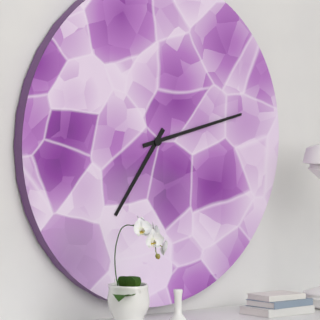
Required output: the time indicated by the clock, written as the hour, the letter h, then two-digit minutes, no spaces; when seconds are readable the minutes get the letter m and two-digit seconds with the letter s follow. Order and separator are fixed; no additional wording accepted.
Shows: 7h13
